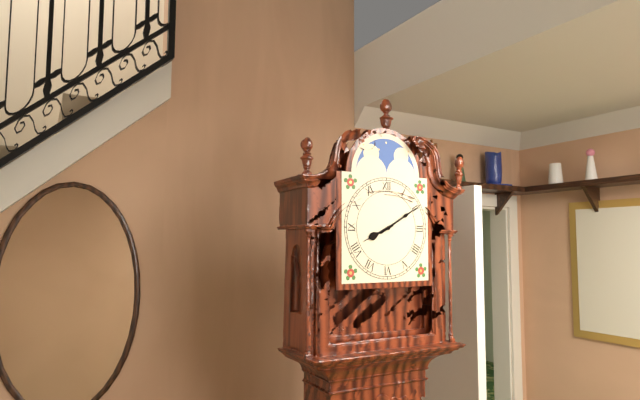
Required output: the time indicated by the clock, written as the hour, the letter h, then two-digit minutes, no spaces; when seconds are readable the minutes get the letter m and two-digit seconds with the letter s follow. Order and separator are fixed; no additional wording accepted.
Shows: 8h10
